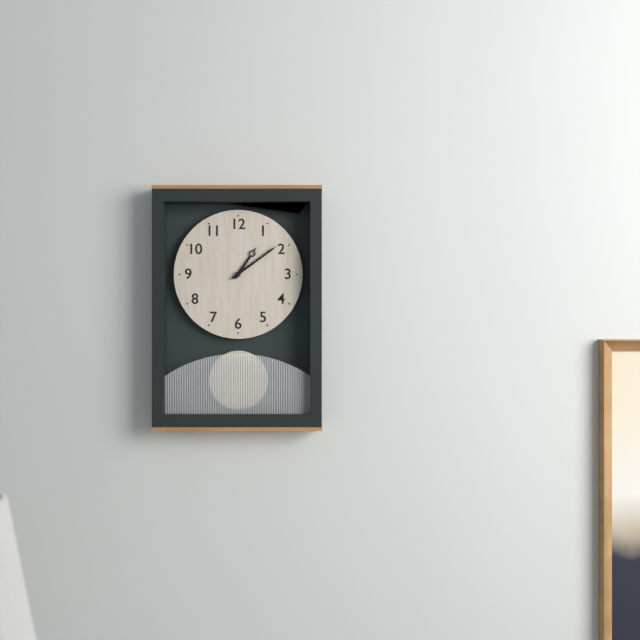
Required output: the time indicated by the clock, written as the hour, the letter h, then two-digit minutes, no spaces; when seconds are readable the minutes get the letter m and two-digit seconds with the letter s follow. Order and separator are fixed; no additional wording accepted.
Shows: 1h09
